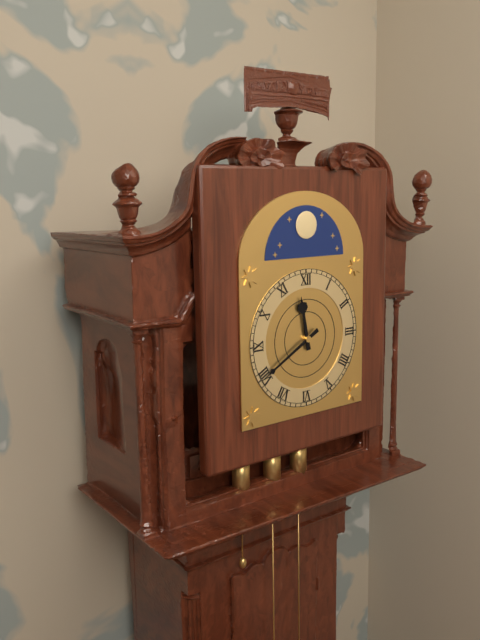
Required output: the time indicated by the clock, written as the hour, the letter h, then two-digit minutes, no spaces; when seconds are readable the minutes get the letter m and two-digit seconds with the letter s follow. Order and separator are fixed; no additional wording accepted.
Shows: 11h40
